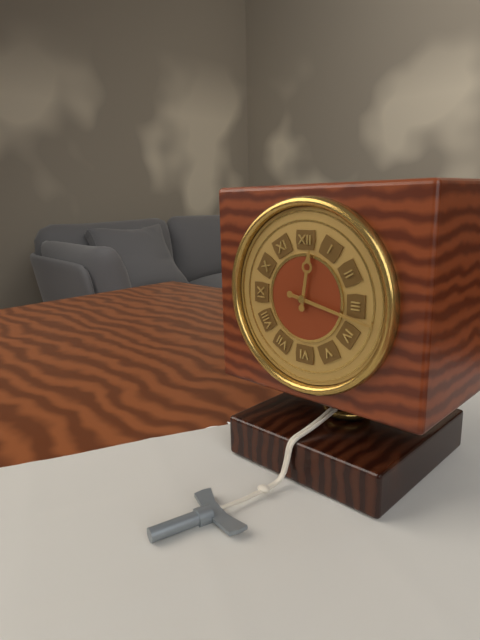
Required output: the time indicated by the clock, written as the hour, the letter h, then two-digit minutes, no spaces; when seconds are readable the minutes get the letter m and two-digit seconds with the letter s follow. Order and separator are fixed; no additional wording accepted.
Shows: 12h17
